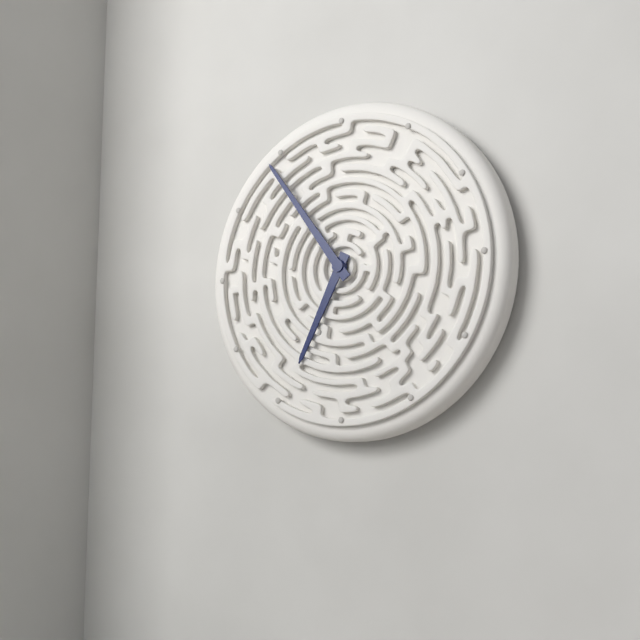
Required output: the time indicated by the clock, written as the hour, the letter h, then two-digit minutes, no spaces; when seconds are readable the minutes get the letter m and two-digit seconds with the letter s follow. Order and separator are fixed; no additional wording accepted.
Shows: 6h54
